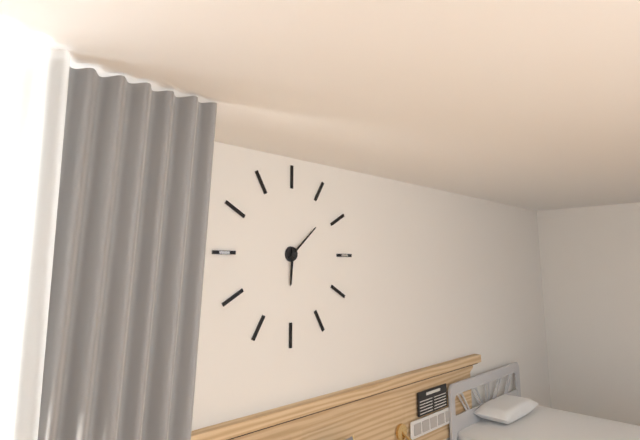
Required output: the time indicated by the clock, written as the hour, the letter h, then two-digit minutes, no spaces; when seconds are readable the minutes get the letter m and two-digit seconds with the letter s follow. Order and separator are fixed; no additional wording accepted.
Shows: 6h08
